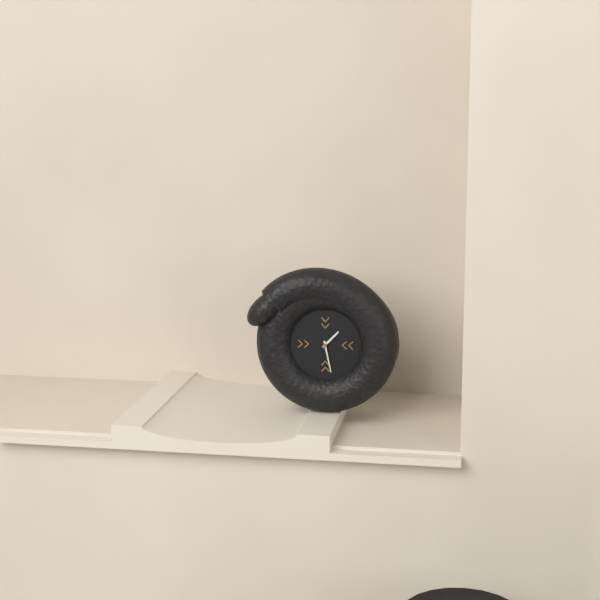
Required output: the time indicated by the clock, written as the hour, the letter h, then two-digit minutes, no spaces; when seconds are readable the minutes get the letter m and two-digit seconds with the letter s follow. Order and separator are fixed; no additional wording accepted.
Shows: 1h28
